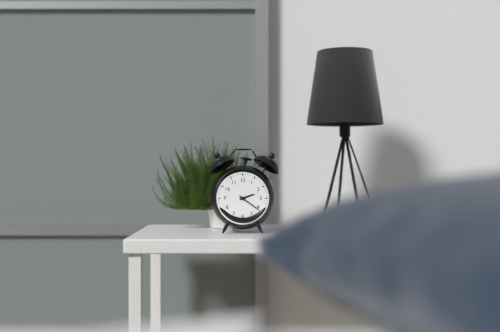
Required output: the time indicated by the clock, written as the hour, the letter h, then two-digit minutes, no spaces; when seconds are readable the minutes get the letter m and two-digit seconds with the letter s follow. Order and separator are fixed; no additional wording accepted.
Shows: 2h21
